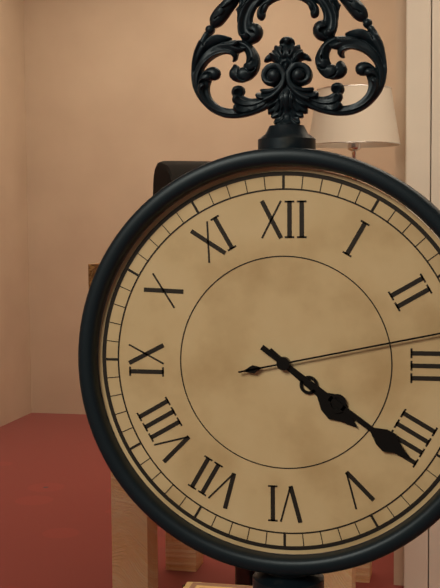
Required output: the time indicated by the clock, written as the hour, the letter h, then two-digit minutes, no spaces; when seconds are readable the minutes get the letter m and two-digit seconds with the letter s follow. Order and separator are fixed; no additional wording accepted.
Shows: 4h21
